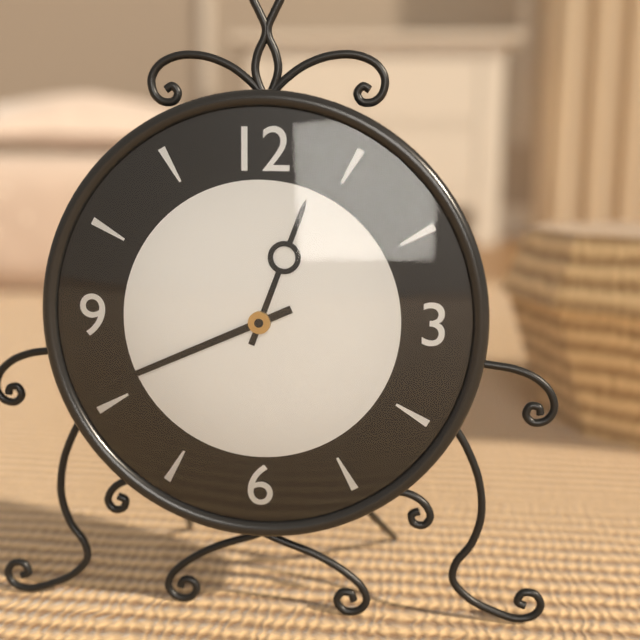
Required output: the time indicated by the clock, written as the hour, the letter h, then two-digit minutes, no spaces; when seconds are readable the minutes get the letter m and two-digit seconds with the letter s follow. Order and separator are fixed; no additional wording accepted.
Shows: 12h41
